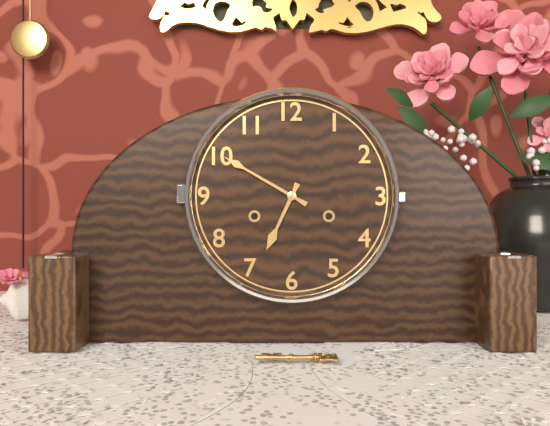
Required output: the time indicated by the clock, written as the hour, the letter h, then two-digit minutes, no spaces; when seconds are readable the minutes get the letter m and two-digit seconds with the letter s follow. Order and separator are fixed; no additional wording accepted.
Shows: 6h50
